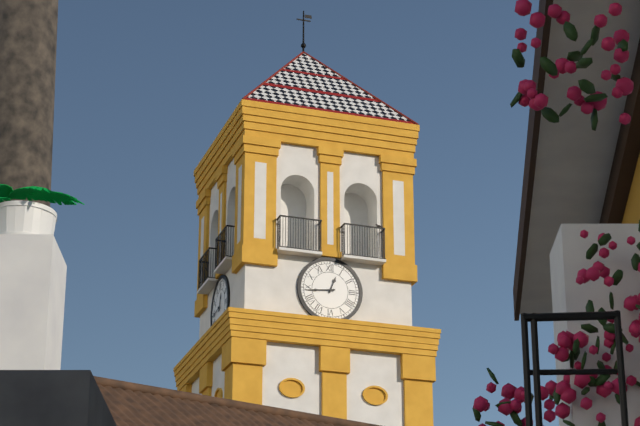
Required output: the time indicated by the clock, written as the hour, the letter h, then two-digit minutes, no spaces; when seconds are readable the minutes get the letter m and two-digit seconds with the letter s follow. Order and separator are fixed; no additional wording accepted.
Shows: 12h44
